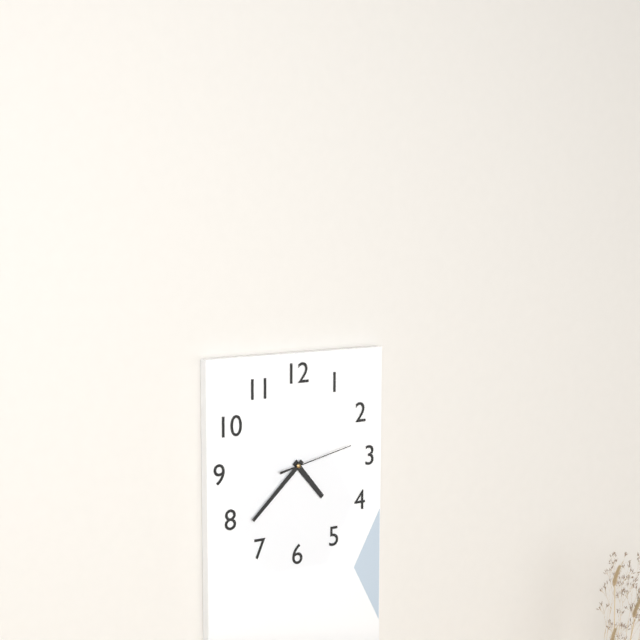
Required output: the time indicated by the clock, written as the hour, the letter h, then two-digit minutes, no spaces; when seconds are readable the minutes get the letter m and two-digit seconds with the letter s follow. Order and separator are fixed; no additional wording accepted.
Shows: 4h38m13s
